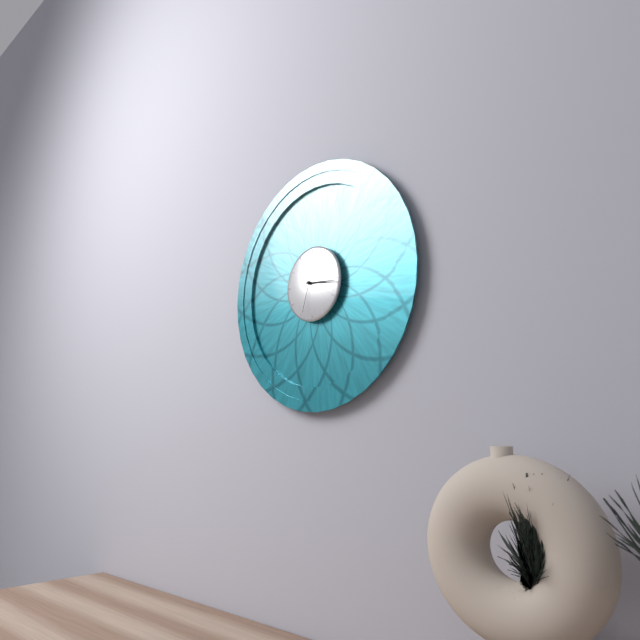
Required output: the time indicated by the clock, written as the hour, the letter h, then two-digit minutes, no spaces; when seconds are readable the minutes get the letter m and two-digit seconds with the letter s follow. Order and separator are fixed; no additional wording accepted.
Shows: 3h16
